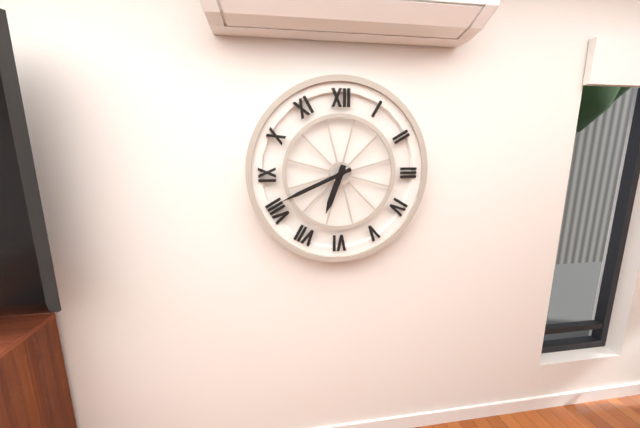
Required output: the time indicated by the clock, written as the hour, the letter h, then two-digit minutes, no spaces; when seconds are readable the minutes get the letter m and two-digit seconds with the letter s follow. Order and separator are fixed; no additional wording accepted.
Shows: 6h41
